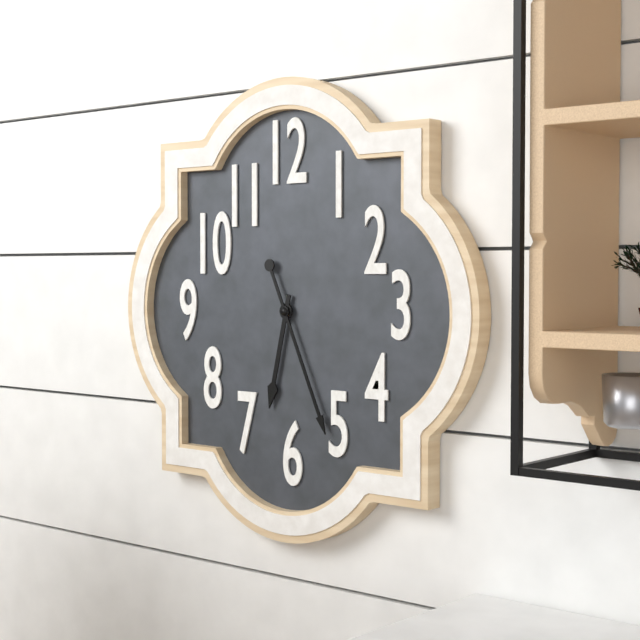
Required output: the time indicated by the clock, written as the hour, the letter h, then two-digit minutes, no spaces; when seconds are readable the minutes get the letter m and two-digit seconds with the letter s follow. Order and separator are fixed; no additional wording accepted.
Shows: 6h26
